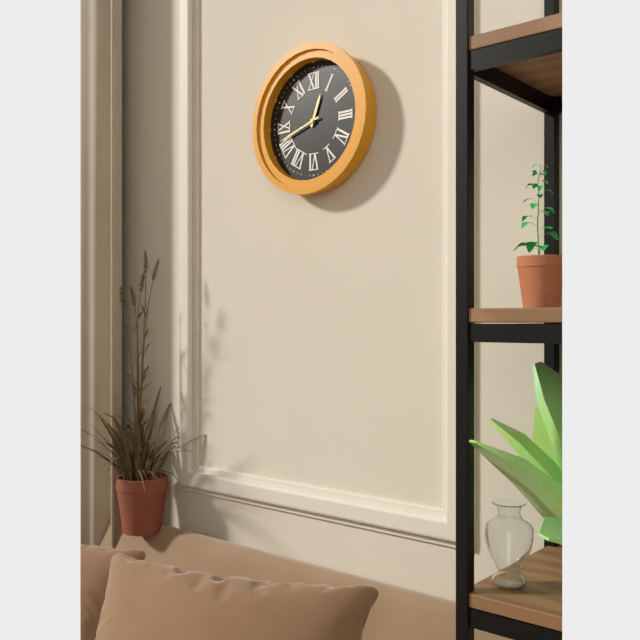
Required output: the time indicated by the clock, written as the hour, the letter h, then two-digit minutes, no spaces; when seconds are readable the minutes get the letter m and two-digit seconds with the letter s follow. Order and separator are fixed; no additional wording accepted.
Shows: 12h42
